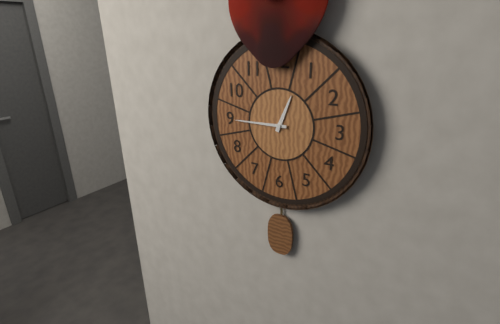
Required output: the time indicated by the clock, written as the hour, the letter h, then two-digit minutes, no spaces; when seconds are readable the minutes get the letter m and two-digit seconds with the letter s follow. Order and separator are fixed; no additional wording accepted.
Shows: 12h45
